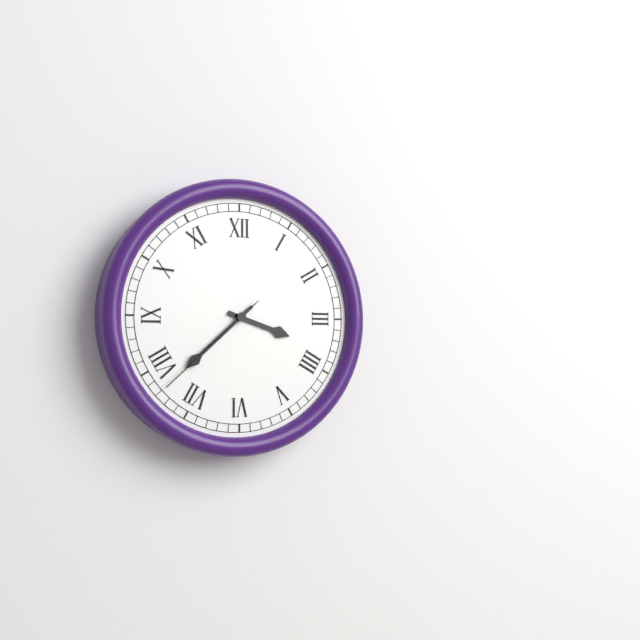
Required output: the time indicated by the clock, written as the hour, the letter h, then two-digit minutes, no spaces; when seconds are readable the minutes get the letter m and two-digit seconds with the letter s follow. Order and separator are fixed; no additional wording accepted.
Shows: 3h38m38s
